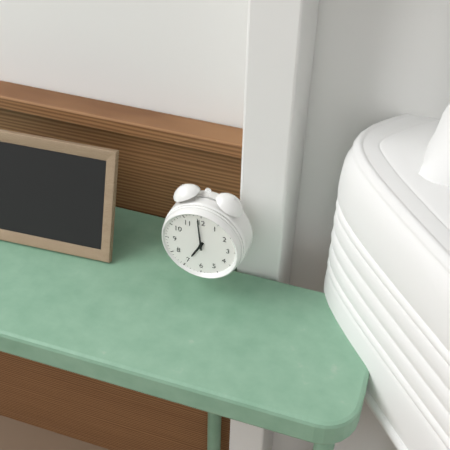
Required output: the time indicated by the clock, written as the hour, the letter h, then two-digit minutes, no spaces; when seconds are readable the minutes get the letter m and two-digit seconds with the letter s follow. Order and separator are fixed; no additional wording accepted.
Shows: 6h59
